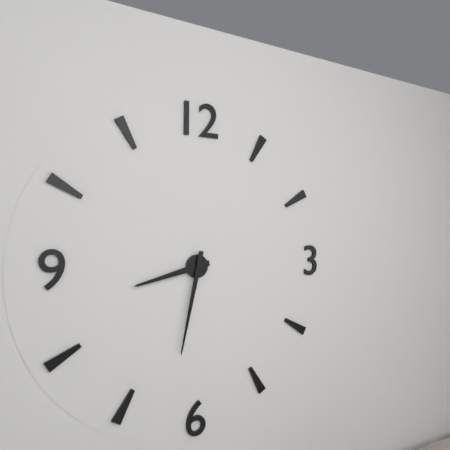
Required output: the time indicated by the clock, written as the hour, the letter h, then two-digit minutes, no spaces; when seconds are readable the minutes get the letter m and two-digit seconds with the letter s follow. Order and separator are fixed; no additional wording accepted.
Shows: 8h32
